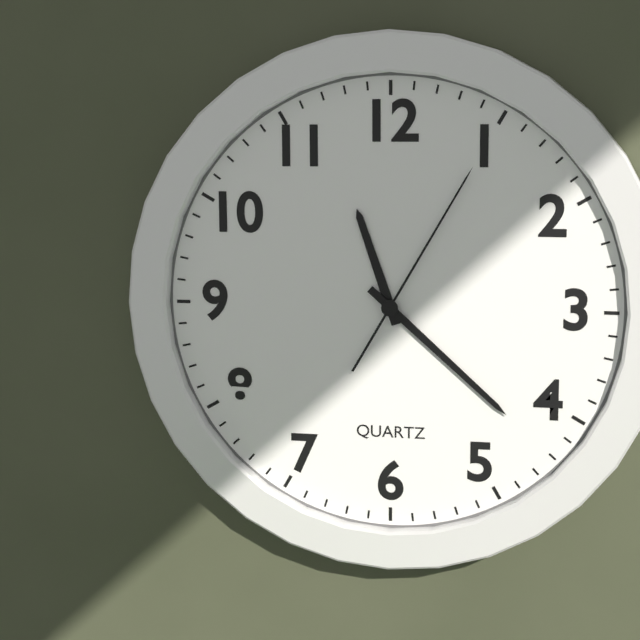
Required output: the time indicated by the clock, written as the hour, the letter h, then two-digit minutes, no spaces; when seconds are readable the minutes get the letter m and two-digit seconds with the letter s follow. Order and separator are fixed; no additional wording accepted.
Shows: 11h22m05s
